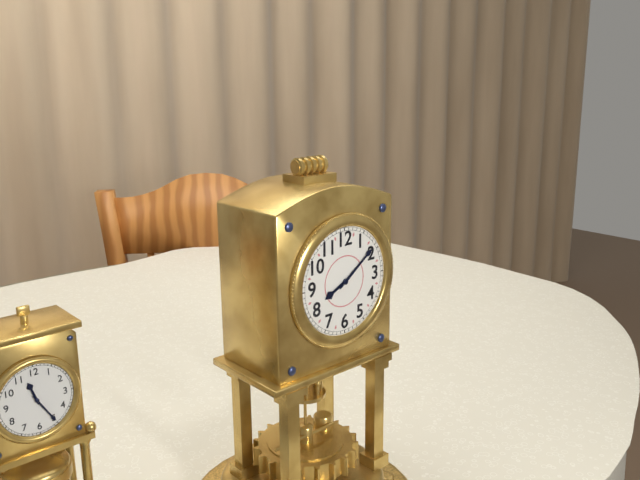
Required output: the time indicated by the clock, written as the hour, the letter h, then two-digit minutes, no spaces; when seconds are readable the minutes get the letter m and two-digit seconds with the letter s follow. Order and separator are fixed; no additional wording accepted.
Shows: 8h09
